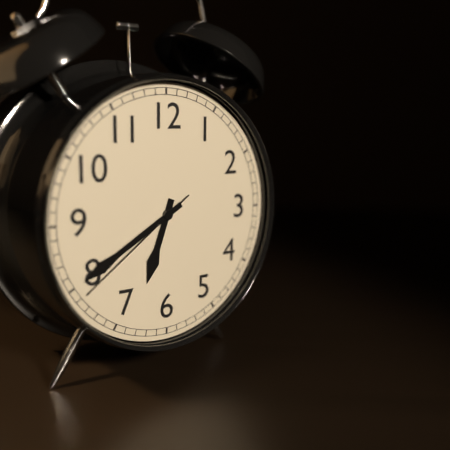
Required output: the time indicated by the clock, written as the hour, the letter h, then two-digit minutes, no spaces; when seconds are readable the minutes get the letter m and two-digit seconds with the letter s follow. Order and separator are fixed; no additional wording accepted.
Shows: 6h40m39s
